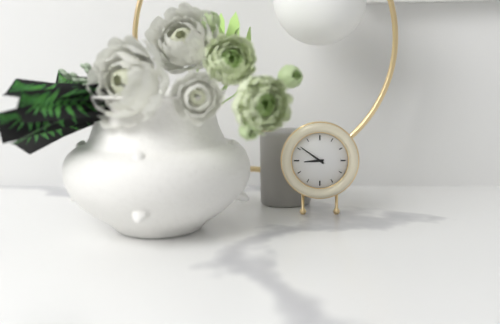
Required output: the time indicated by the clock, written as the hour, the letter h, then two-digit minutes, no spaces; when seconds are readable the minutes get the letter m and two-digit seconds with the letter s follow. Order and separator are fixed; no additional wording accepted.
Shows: 8h51
